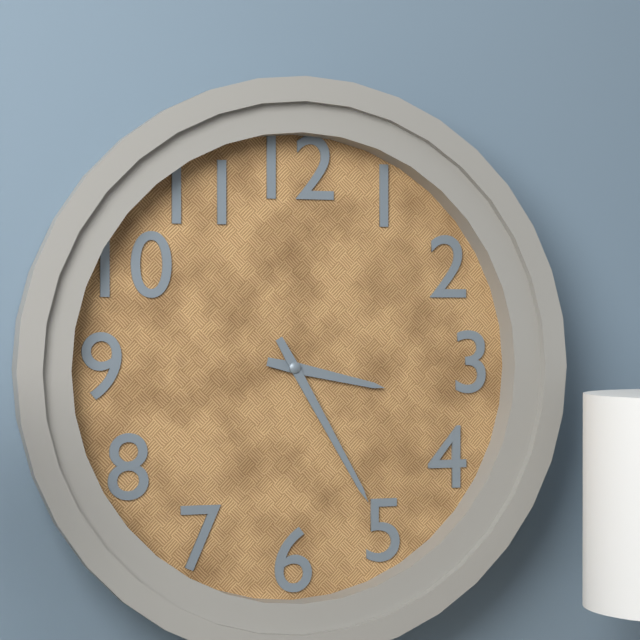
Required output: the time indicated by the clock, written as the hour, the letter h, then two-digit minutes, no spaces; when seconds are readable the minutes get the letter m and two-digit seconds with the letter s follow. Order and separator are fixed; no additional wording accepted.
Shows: 3h25
